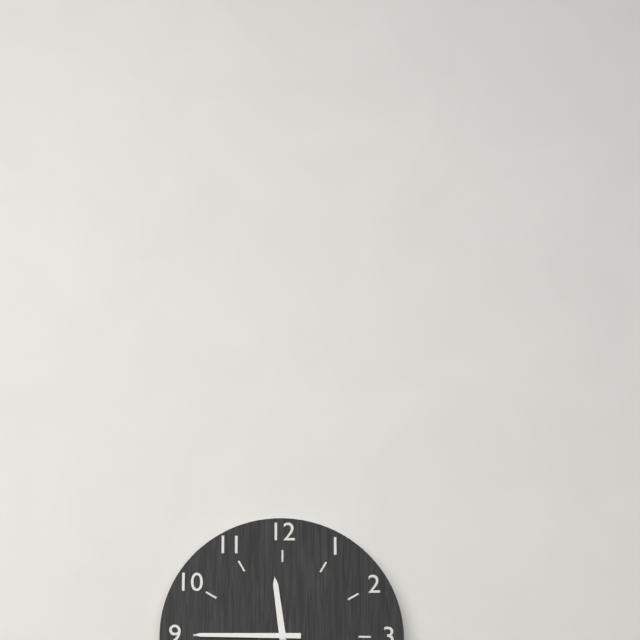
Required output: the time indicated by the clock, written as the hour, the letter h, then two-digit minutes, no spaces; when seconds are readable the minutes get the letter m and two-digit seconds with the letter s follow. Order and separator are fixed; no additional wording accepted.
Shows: 11h45
